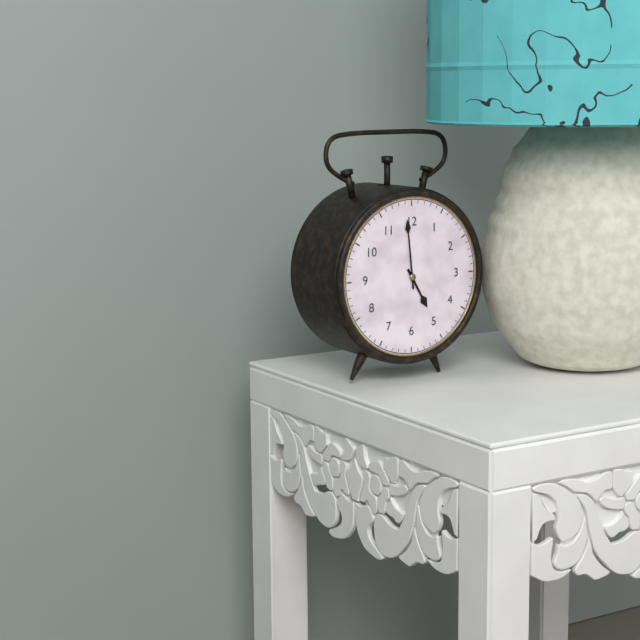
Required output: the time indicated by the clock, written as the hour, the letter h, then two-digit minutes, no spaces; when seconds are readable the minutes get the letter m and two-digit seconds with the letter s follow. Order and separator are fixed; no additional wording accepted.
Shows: 4h59
